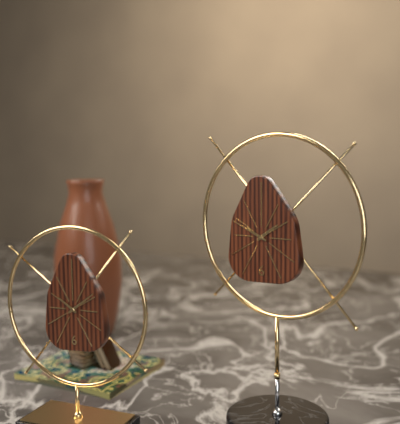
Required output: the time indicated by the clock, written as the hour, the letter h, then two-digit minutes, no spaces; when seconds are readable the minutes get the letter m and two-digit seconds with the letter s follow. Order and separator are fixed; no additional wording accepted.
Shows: 1h49
